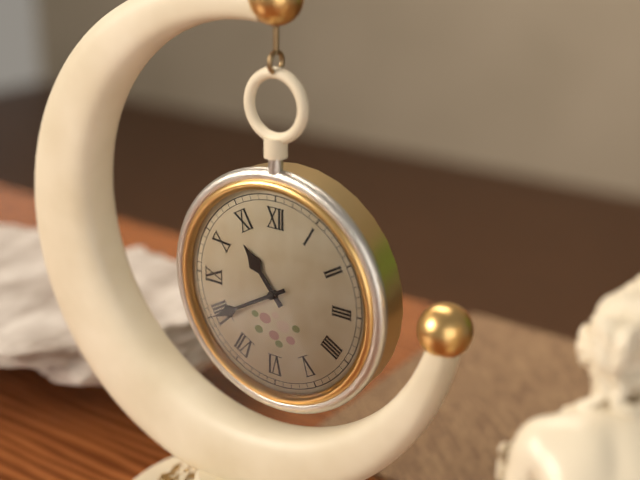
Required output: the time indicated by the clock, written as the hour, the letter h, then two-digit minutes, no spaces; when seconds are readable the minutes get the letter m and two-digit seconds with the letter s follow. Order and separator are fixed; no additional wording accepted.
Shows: 10h40
